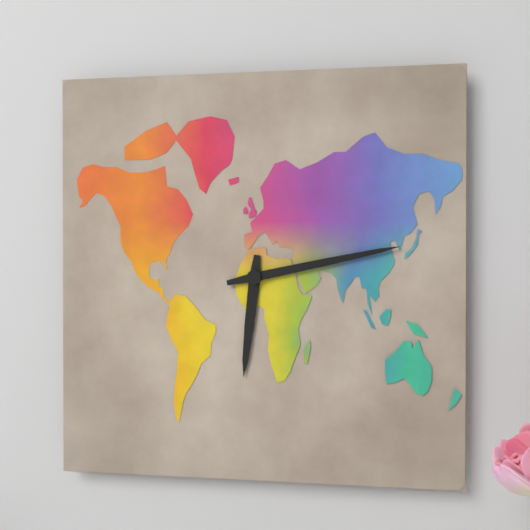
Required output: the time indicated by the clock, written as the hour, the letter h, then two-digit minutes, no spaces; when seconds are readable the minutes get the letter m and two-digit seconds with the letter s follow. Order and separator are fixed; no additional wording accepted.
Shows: 6h13
